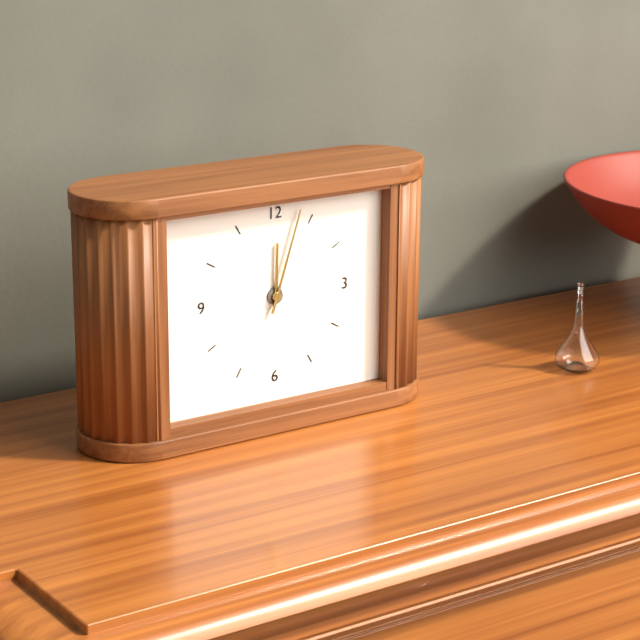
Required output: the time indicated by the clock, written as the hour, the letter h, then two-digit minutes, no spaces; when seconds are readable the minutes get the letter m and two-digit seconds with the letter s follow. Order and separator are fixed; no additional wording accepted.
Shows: 12h03
